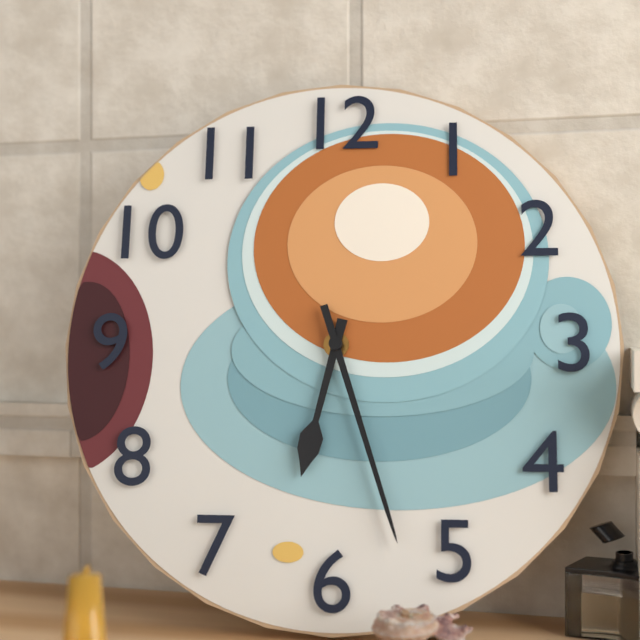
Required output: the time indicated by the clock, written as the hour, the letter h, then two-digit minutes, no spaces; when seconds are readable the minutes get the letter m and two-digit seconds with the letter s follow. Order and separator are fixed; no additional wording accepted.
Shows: 6h27
